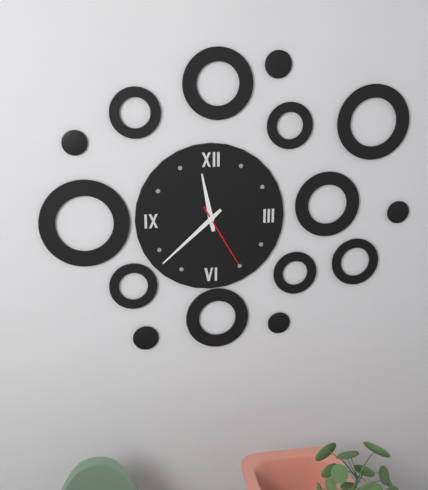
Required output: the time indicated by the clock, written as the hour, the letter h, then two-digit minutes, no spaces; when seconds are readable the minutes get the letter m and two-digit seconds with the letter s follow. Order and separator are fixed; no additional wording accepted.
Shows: 11h38m25s
